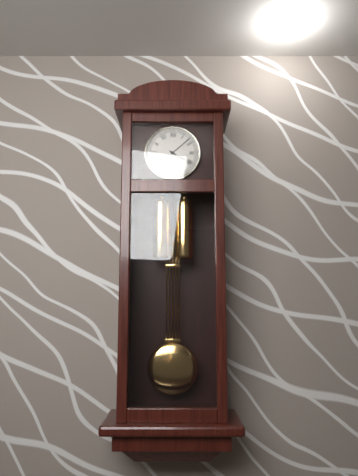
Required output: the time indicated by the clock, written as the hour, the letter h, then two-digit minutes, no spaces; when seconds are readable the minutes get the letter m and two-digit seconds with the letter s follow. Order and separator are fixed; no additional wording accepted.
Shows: 4h08
